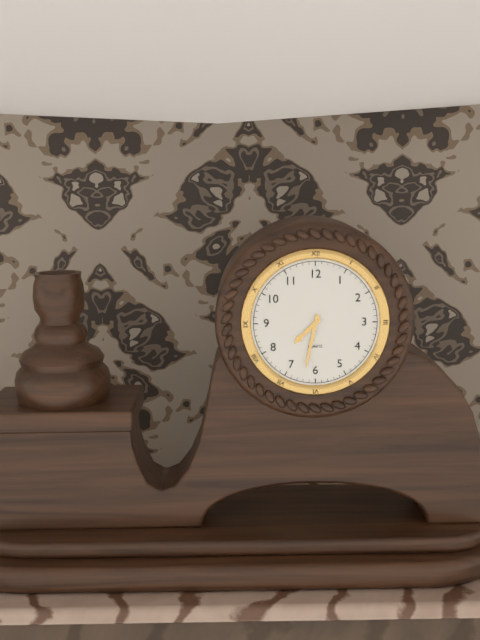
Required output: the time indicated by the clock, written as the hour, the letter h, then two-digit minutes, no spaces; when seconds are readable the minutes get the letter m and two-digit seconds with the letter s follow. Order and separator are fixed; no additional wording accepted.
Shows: 7h32
